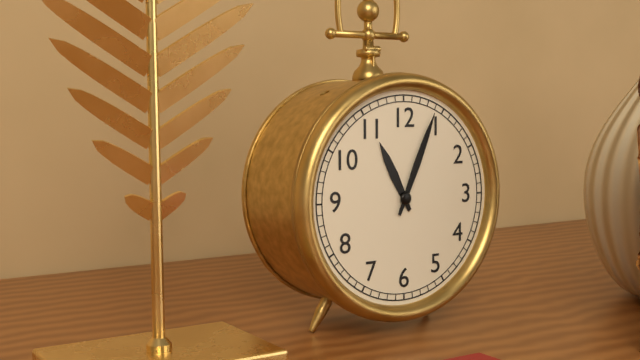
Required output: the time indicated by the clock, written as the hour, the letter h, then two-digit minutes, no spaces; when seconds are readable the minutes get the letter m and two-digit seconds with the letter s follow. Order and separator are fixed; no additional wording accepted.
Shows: 11h04
